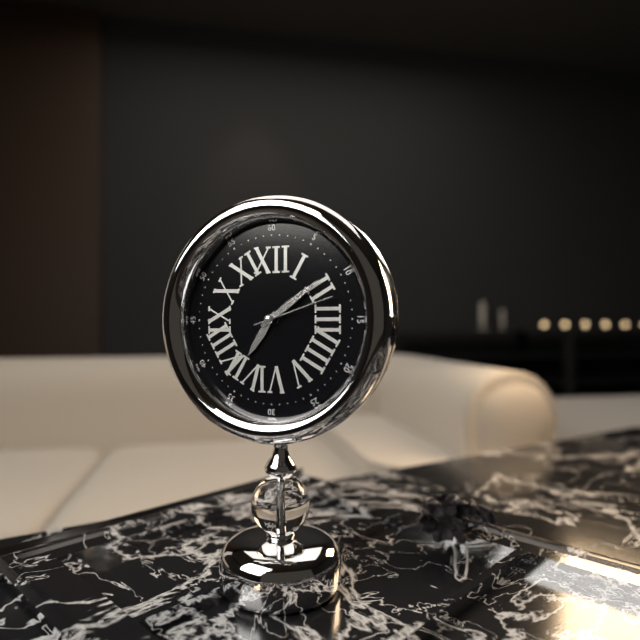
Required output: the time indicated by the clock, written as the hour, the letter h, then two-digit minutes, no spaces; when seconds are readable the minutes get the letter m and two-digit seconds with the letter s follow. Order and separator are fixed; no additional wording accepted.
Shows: 7h09m12s
